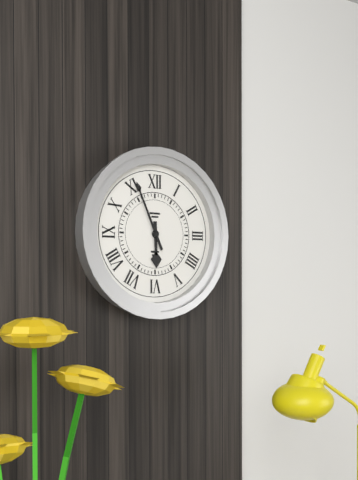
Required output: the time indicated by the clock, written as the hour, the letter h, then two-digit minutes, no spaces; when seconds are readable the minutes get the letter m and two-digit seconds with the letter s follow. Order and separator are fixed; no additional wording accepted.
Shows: 5h56
